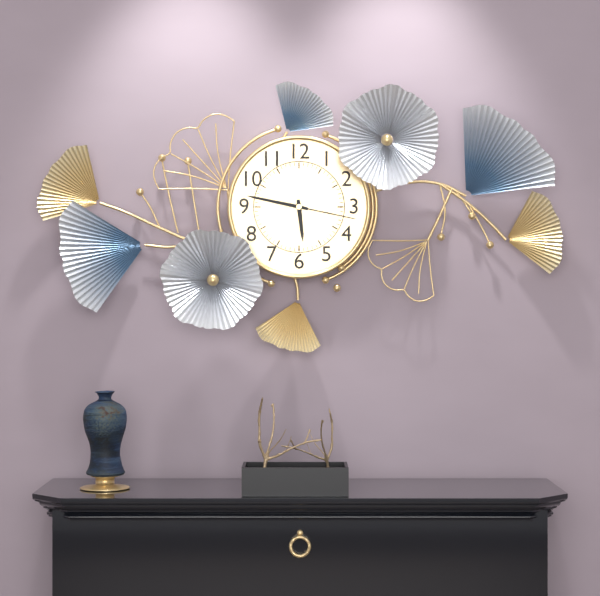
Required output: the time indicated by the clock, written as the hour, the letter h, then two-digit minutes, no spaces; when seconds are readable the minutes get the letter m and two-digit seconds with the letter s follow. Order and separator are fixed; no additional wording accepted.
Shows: 5h47m17s
